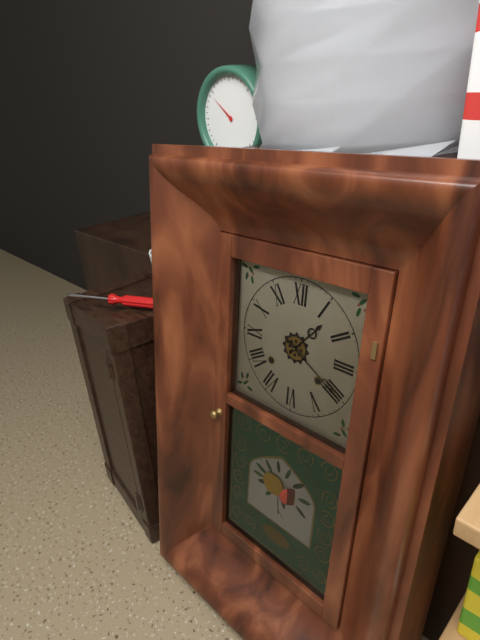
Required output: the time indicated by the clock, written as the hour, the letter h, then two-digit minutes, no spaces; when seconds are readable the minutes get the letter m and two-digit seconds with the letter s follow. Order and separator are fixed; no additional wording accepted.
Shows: 1h20
